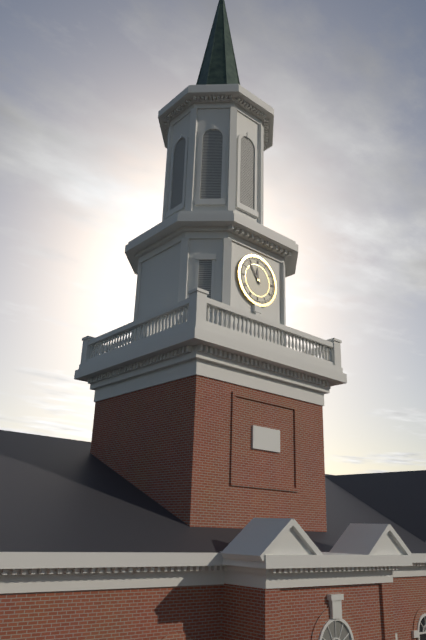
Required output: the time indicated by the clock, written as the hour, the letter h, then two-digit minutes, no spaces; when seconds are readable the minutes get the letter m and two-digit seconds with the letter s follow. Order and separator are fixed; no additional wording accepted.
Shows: 11h54
